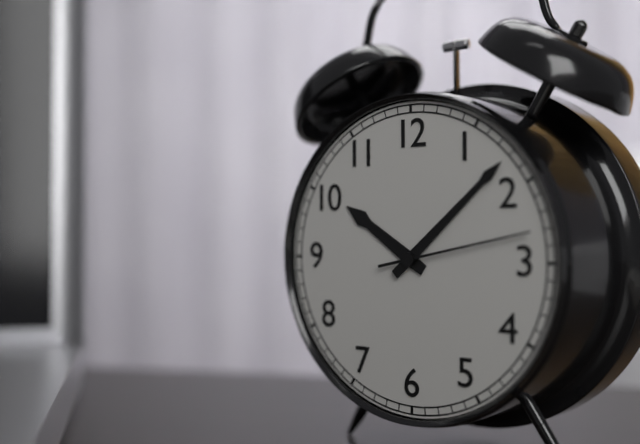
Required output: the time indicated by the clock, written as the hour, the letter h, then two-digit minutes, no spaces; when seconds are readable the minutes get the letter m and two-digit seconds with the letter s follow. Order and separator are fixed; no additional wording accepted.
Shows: 10h08m13s
